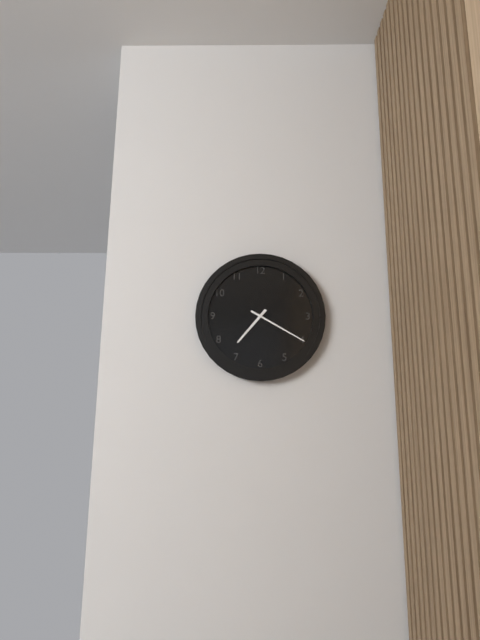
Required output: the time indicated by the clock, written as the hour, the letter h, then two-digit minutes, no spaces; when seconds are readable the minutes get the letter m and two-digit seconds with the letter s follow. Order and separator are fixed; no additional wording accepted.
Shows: 7h20
